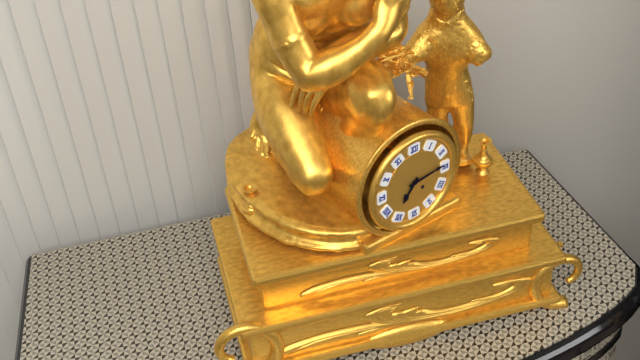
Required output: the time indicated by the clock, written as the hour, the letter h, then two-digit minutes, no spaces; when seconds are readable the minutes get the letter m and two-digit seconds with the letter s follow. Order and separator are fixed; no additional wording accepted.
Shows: 7h14
